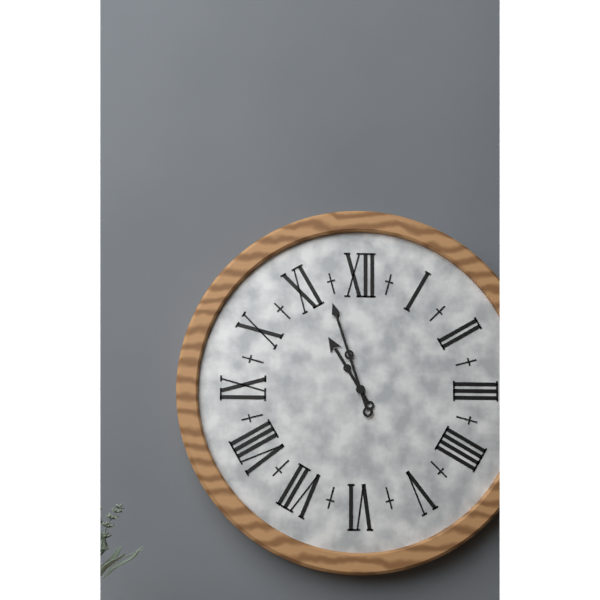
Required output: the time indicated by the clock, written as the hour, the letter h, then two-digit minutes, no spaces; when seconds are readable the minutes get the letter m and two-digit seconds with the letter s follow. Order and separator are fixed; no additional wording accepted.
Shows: 10h57
